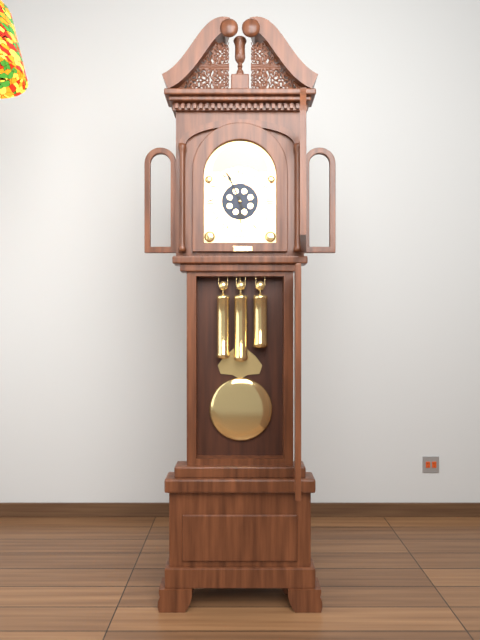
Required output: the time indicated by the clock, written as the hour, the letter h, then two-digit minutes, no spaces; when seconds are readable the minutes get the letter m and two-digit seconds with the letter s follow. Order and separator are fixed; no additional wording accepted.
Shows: 5h56
